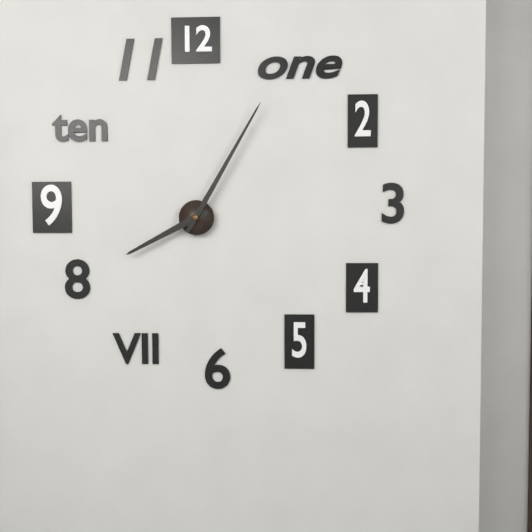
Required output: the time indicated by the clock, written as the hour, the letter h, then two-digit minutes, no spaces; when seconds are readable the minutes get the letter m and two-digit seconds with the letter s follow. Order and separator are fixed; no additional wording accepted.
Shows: 8h05
